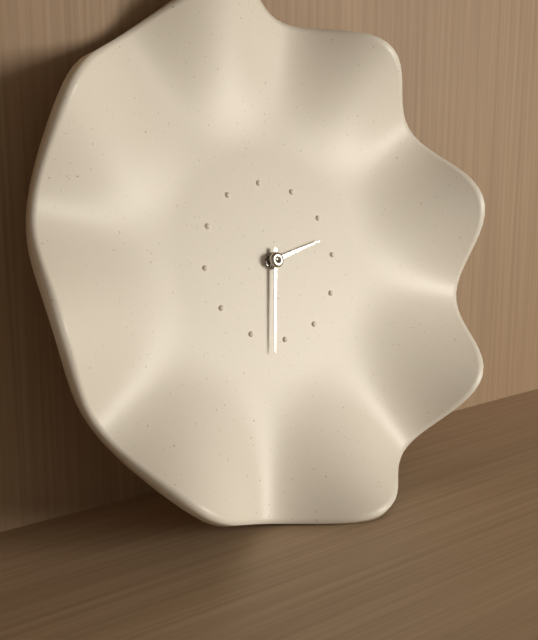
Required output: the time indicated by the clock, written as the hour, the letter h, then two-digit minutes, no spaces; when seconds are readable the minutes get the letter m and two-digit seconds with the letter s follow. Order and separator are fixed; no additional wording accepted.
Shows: 2h32
